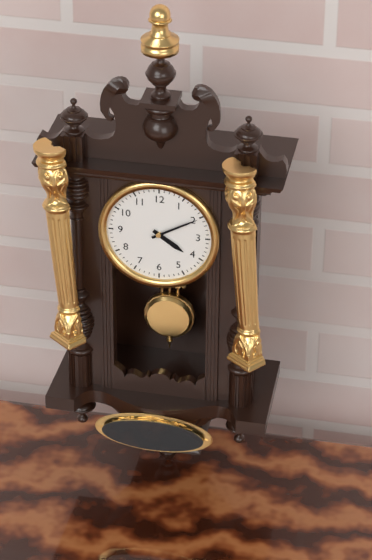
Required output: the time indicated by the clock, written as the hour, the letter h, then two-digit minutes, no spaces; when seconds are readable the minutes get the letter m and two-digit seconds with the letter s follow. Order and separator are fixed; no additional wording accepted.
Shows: 4h10
